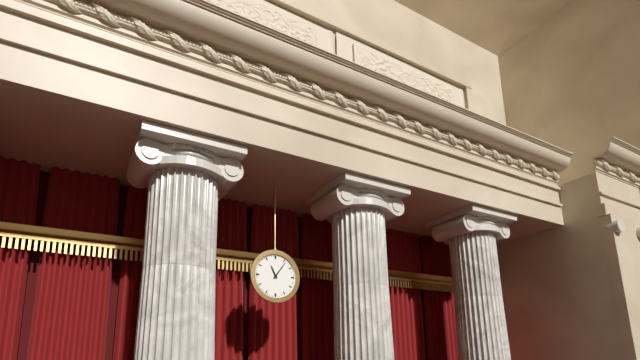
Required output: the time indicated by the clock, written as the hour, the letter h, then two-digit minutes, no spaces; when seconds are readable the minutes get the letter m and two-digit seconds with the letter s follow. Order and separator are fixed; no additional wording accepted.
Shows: 11h06
